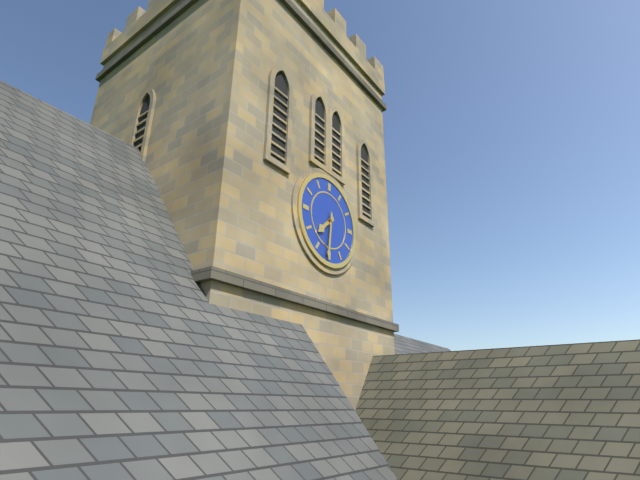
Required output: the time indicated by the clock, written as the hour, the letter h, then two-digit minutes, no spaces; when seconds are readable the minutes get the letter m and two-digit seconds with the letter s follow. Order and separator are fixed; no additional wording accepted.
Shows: 7h31
